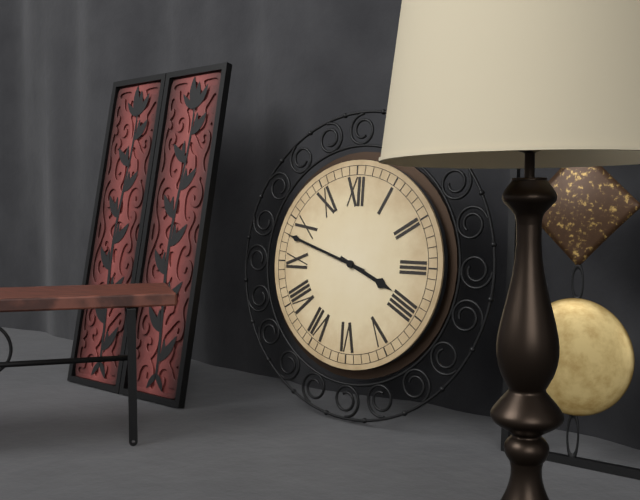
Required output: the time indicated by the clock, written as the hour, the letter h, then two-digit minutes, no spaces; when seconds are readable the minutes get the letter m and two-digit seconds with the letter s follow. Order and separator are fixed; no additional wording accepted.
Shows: 3h48
